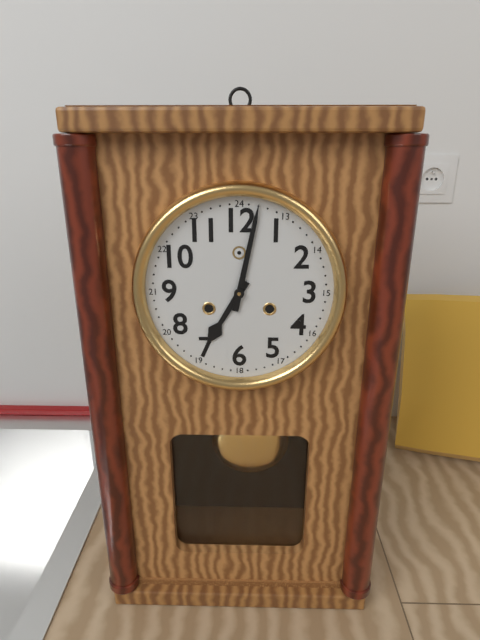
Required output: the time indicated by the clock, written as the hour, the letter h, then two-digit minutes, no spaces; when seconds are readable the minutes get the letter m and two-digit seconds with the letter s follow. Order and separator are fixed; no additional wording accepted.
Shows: 7h02
